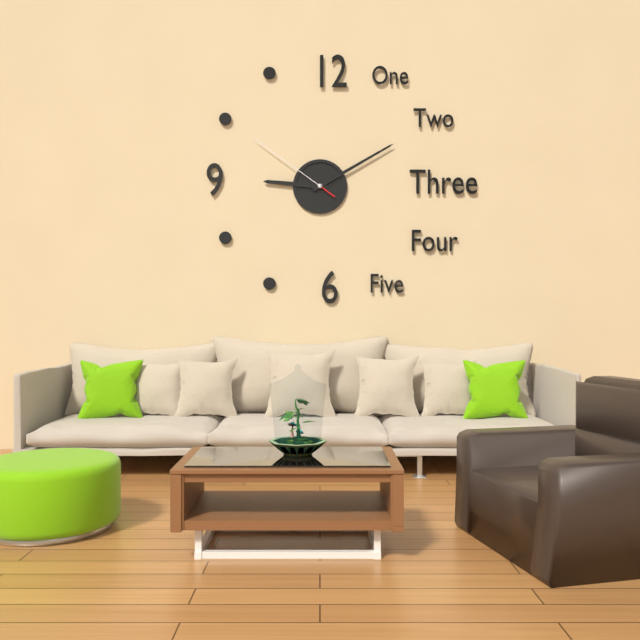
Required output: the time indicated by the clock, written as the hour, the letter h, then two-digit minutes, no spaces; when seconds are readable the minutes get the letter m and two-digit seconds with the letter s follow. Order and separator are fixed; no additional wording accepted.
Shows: 9h10m51s
